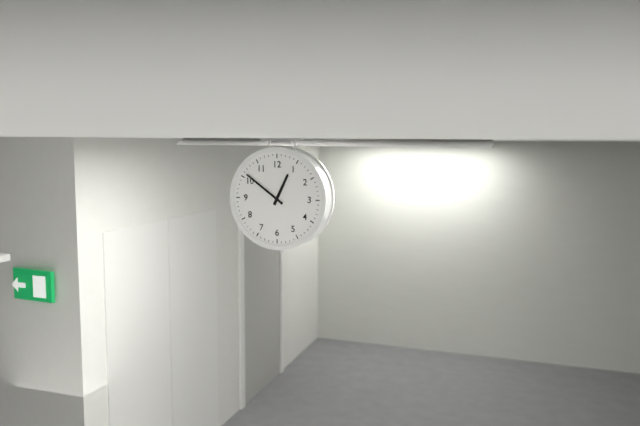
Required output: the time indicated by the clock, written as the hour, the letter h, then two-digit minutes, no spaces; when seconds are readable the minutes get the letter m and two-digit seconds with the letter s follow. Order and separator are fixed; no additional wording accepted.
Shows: 12h51
